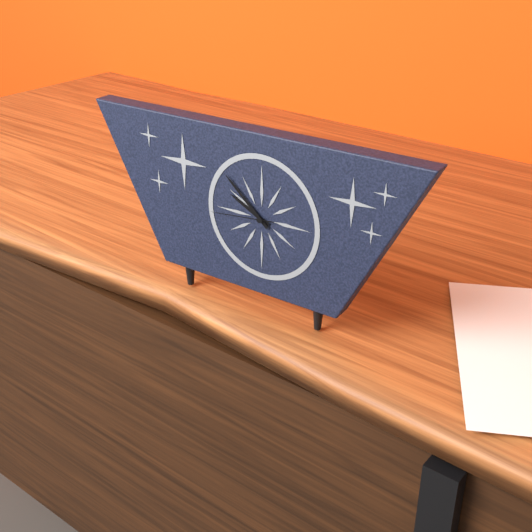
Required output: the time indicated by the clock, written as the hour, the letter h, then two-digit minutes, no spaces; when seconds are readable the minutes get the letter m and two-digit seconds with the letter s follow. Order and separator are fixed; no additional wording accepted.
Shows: 9h52m44s
